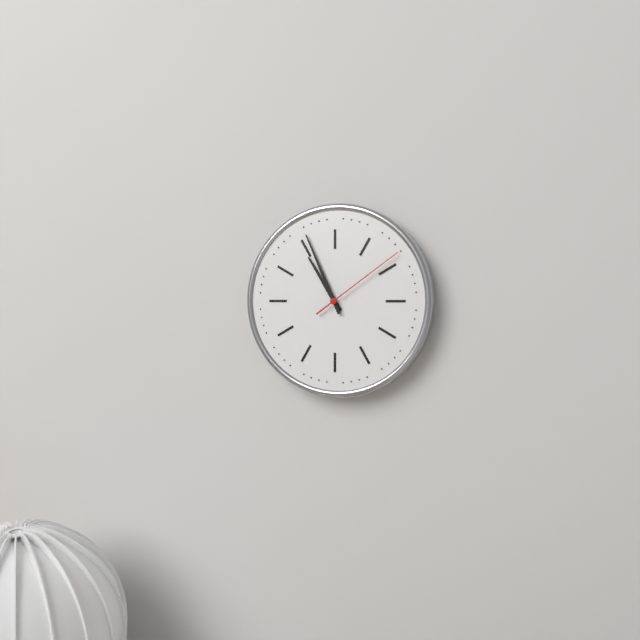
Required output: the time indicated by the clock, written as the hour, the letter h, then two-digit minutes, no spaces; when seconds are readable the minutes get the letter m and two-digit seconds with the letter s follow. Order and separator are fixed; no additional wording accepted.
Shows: 10h56m09s
